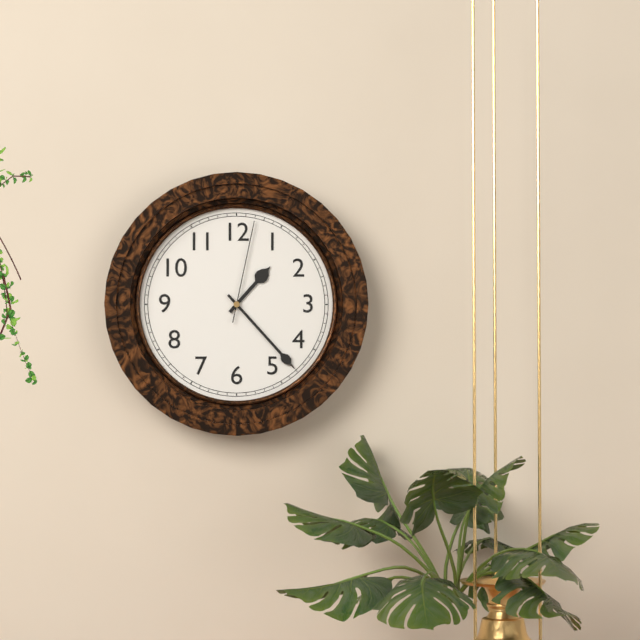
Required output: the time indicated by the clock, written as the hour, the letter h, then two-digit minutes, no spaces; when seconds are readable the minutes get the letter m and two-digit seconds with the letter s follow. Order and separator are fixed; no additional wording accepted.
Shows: 1h23m02s
